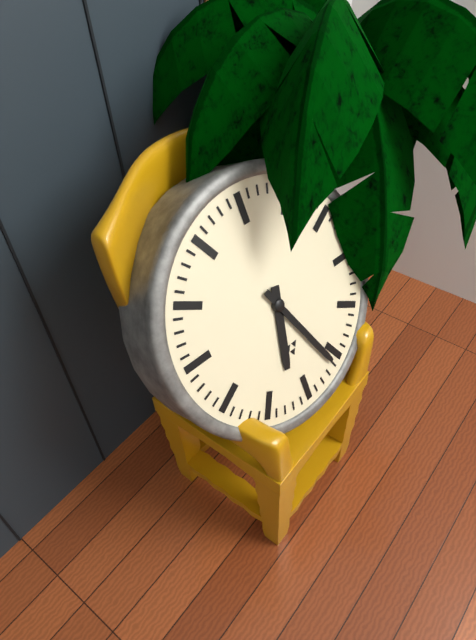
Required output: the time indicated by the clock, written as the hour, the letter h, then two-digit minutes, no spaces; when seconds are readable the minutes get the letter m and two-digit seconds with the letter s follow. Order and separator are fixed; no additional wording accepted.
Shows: 6h26
